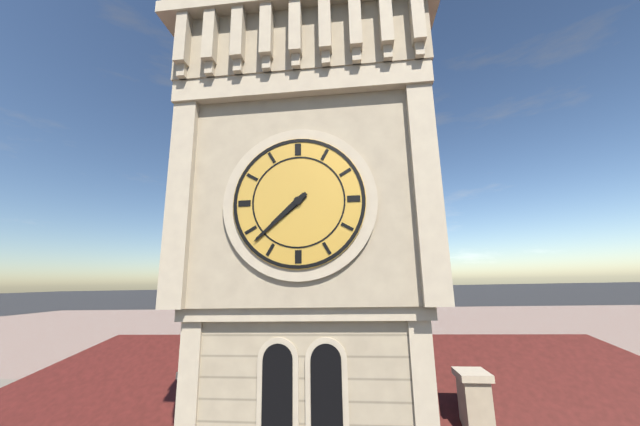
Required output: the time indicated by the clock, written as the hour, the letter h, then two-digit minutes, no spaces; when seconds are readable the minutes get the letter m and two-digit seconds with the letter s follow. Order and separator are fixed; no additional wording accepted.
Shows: 7h38
